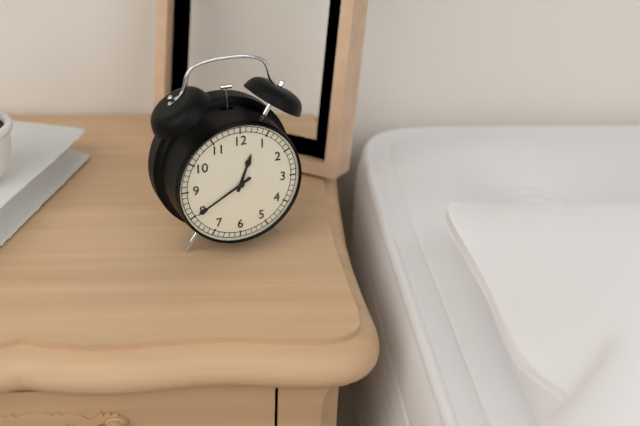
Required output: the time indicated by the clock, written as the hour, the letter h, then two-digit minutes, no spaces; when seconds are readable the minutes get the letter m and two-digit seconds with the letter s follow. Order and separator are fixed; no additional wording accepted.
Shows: 12h40
